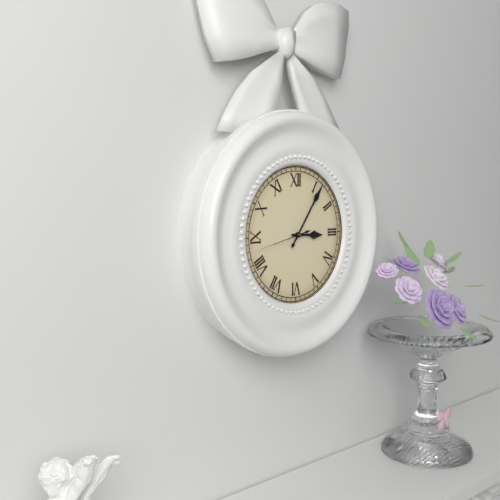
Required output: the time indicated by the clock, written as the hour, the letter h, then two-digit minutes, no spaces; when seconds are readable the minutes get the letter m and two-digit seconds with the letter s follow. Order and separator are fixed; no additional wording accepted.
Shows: 3h06m43s
